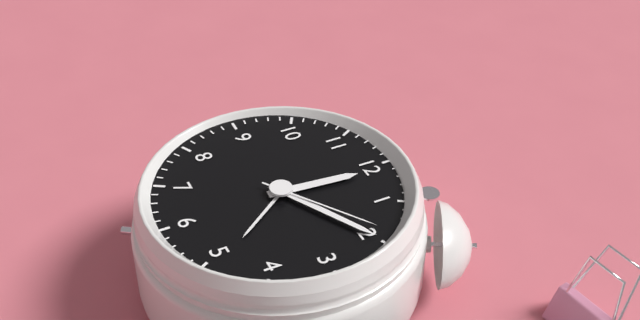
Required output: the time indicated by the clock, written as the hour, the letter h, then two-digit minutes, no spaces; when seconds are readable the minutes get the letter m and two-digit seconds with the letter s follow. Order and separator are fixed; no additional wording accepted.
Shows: 12h10m09s
